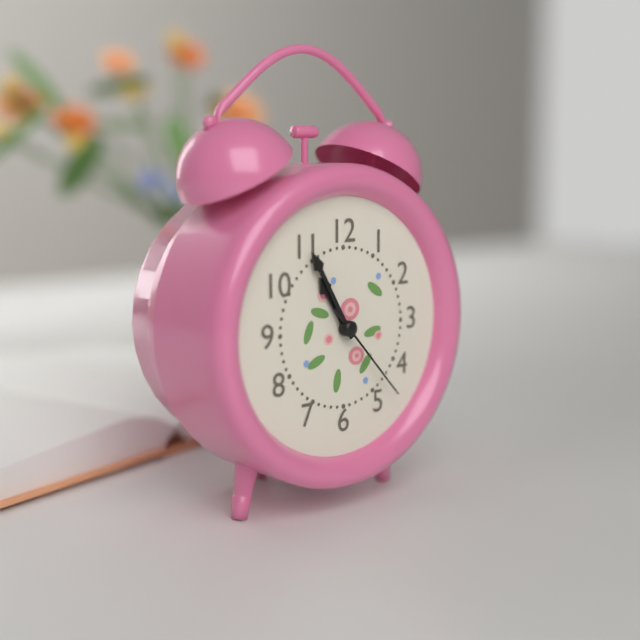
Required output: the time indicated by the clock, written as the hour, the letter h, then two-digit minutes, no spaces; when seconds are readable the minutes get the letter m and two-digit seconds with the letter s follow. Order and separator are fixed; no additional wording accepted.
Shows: 10h55m23s
